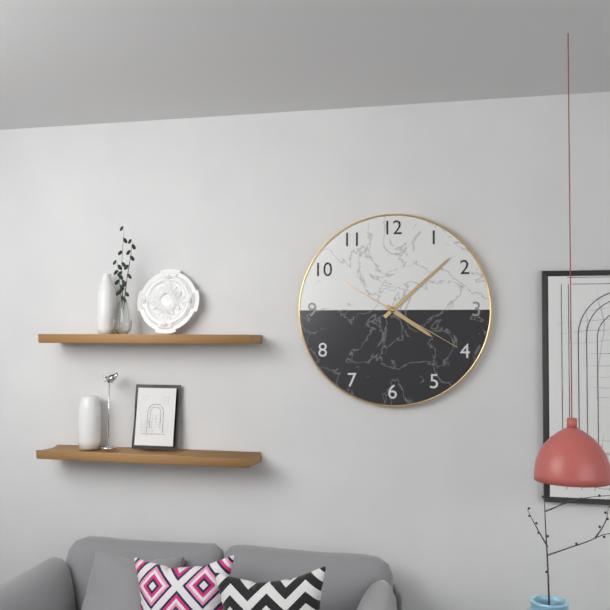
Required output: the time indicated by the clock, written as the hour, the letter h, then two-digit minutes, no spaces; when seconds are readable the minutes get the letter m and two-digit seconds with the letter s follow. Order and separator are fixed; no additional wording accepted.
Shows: 4h08m20s
